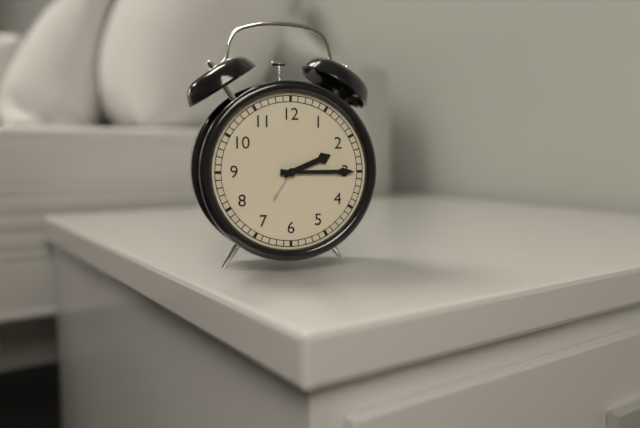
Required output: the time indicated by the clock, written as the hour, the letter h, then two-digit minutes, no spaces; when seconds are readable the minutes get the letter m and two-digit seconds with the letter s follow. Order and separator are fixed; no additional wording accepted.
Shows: 2h15
